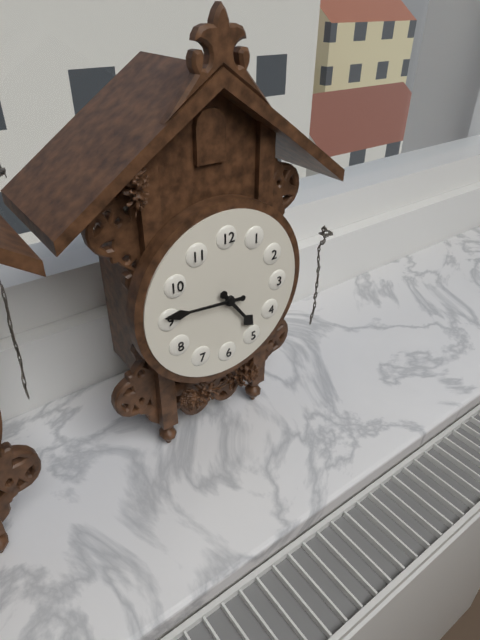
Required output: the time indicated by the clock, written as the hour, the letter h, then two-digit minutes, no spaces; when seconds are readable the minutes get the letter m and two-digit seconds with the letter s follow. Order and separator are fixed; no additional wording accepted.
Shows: 4h46
